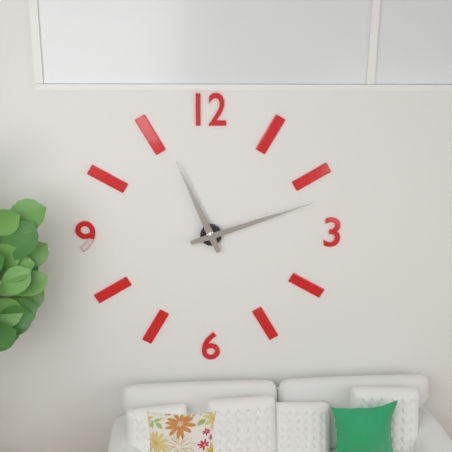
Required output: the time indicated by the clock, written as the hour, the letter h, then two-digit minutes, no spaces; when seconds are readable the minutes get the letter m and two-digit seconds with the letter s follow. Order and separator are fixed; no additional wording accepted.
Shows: 11h12
